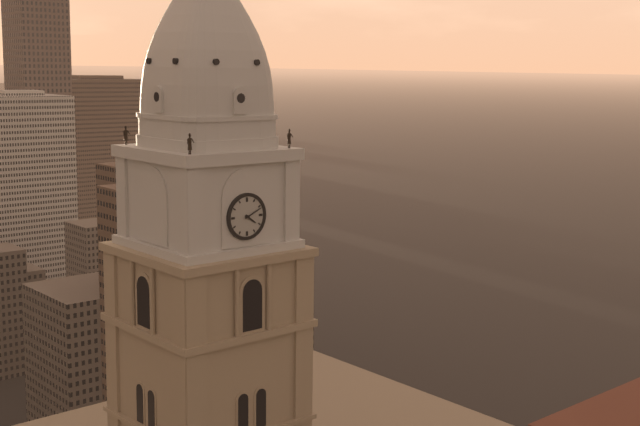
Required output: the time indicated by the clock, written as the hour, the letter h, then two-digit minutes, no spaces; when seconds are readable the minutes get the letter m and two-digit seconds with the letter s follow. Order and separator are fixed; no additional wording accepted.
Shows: 4h11
